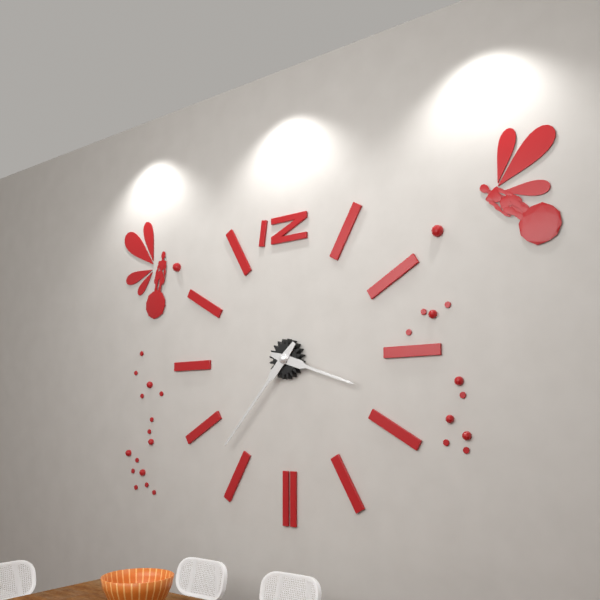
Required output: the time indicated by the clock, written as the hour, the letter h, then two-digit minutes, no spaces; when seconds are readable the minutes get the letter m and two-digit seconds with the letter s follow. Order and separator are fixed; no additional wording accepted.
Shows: 3h37
